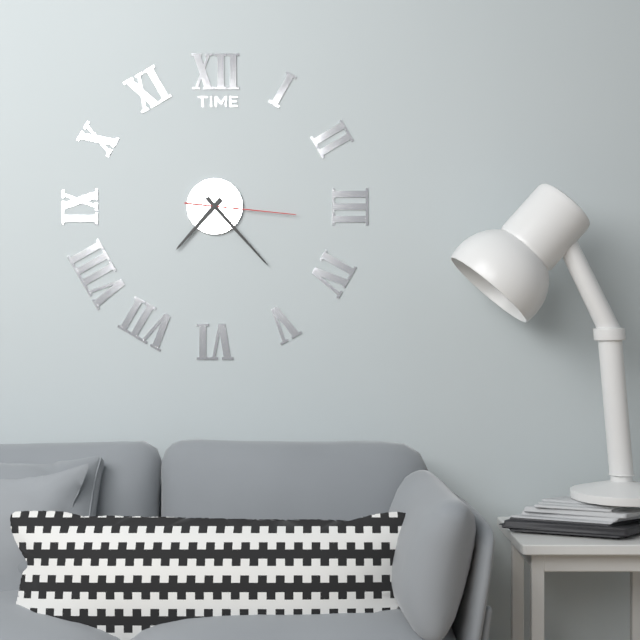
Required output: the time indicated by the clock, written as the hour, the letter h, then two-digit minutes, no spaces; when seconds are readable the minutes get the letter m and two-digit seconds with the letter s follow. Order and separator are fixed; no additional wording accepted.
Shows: 7h23m16s
